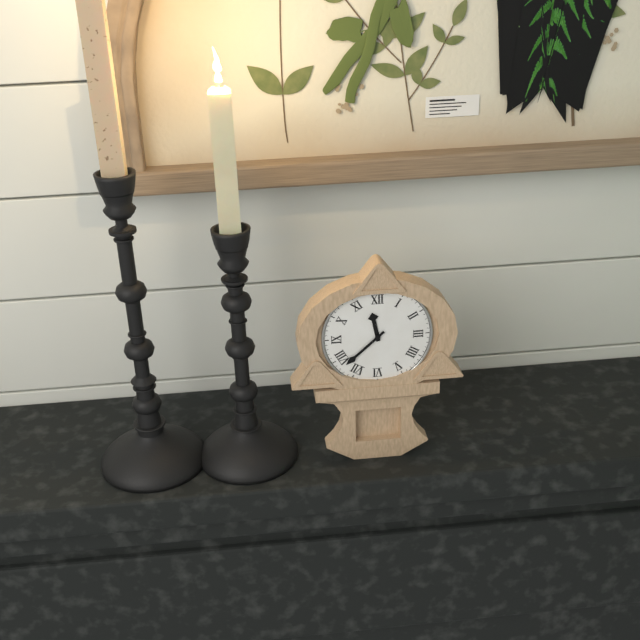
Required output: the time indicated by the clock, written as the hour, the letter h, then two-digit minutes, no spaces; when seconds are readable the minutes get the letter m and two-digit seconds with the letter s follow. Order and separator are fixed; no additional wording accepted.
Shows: 11h38
